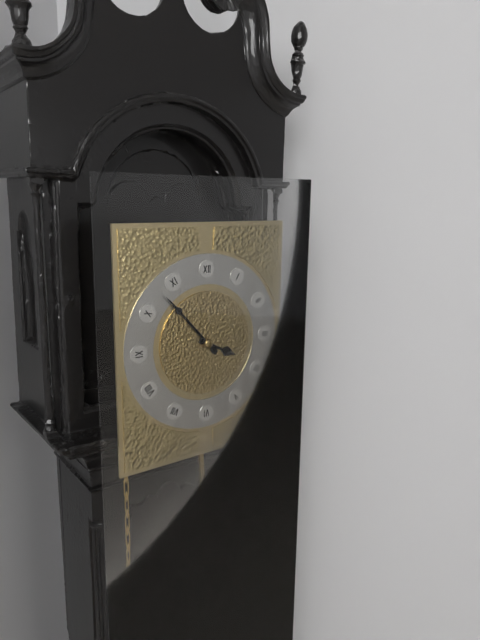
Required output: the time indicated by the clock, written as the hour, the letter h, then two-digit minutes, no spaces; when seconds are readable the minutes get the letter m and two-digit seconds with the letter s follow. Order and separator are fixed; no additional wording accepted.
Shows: 3h53
